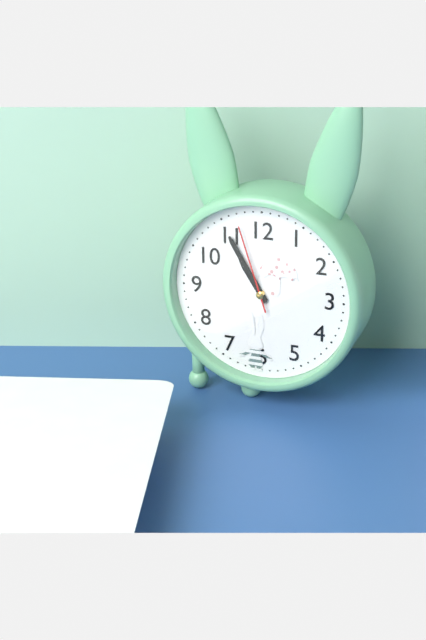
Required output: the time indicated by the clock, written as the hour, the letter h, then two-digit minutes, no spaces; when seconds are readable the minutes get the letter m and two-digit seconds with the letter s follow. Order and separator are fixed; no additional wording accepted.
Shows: 10h55m57s
